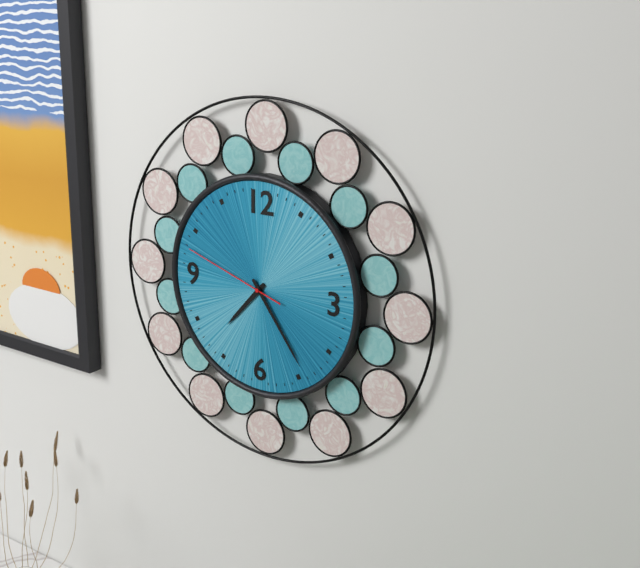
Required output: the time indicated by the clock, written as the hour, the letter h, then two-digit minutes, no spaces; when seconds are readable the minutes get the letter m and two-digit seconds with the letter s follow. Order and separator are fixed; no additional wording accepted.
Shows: 7h24m48s
